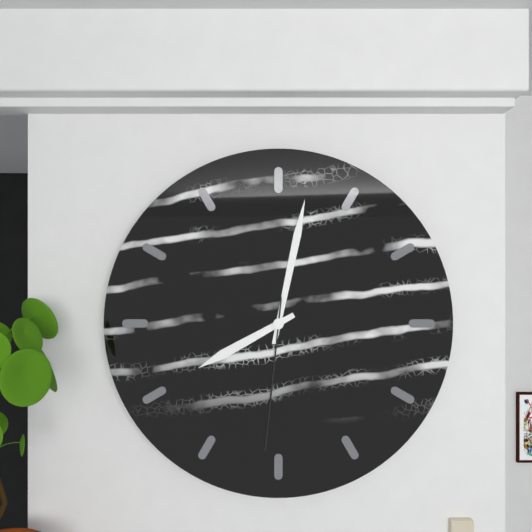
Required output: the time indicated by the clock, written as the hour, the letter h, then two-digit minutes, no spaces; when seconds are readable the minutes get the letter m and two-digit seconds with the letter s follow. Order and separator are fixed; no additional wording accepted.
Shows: 8h02m31s
